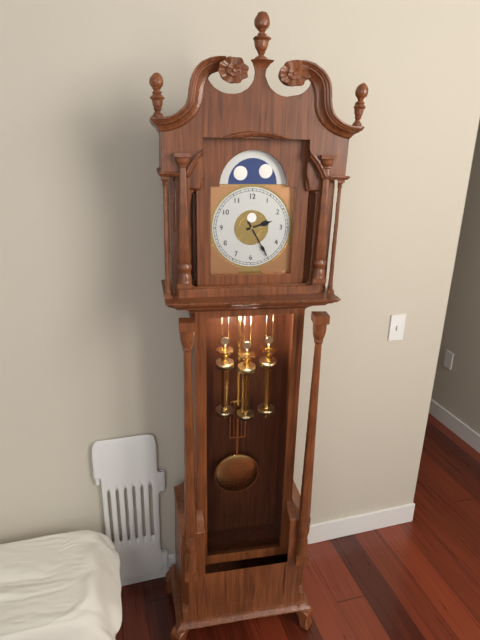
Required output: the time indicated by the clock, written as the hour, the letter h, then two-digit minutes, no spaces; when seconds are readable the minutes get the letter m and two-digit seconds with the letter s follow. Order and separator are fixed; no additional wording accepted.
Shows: 2h25
